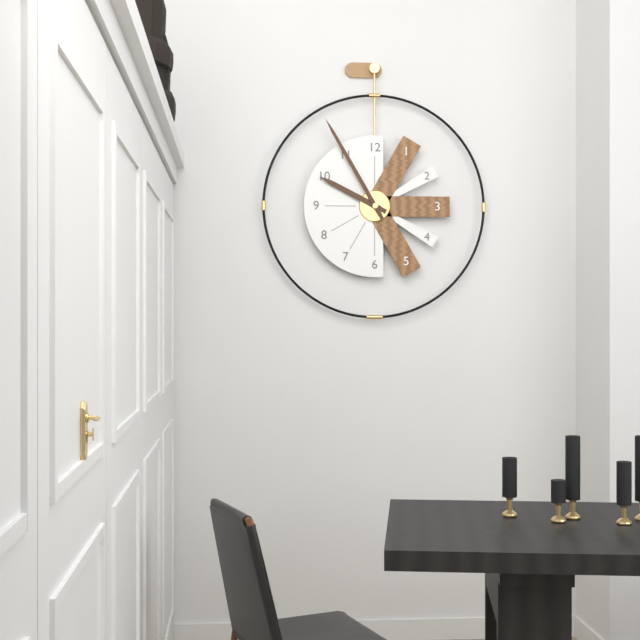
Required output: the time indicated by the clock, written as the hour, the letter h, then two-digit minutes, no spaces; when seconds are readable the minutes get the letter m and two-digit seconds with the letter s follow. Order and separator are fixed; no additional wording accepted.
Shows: 9h55
